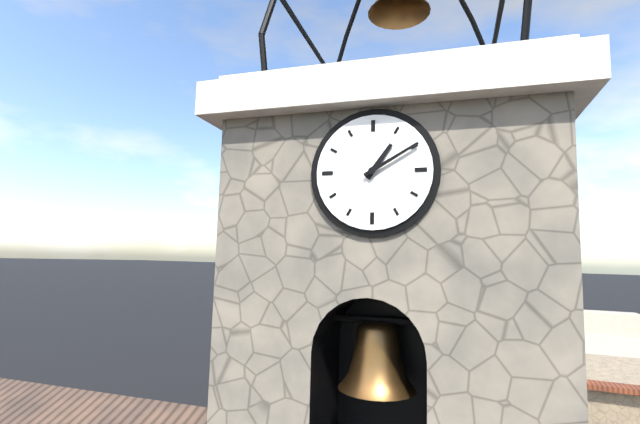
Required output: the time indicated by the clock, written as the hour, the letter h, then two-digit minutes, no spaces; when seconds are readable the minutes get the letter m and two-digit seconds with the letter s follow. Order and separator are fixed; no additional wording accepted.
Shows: 1h10
